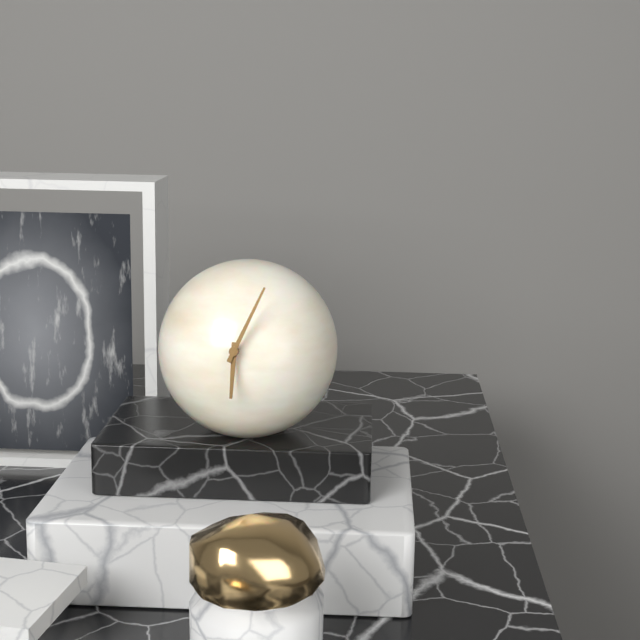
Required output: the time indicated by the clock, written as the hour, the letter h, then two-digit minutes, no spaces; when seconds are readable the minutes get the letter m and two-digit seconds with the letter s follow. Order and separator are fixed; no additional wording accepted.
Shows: 6h04
